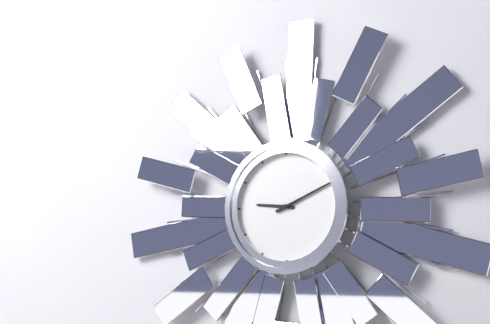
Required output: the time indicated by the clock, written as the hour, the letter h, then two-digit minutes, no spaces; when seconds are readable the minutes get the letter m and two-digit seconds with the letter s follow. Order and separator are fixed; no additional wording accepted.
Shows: 9h11
